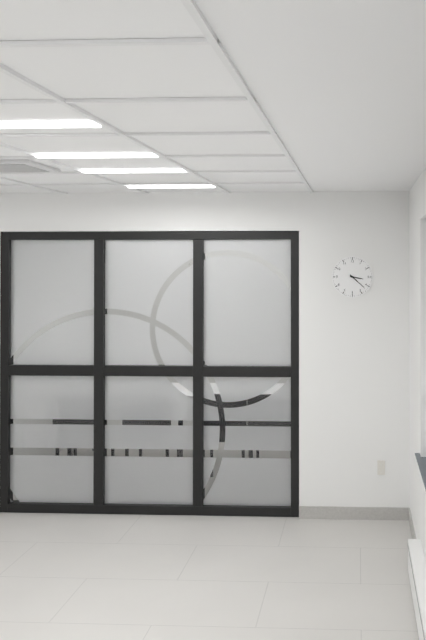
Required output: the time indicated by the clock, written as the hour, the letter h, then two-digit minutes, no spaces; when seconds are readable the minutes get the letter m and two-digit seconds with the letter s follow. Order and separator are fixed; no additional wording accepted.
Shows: 3h22
